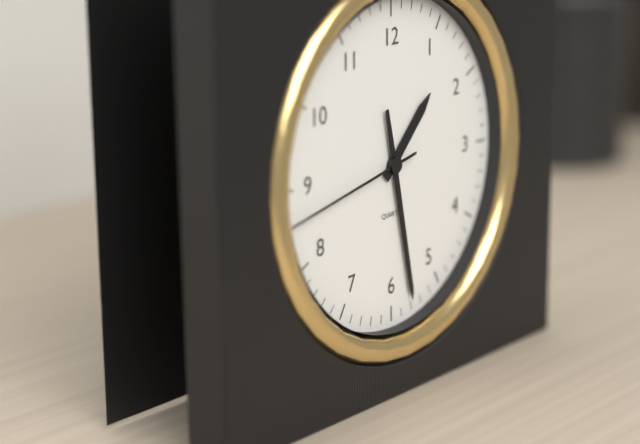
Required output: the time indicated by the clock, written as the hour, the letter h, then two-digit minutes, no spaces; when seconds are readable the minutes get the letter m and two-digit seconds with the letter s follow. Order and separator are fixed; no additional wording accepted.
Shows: 1h28m43s
